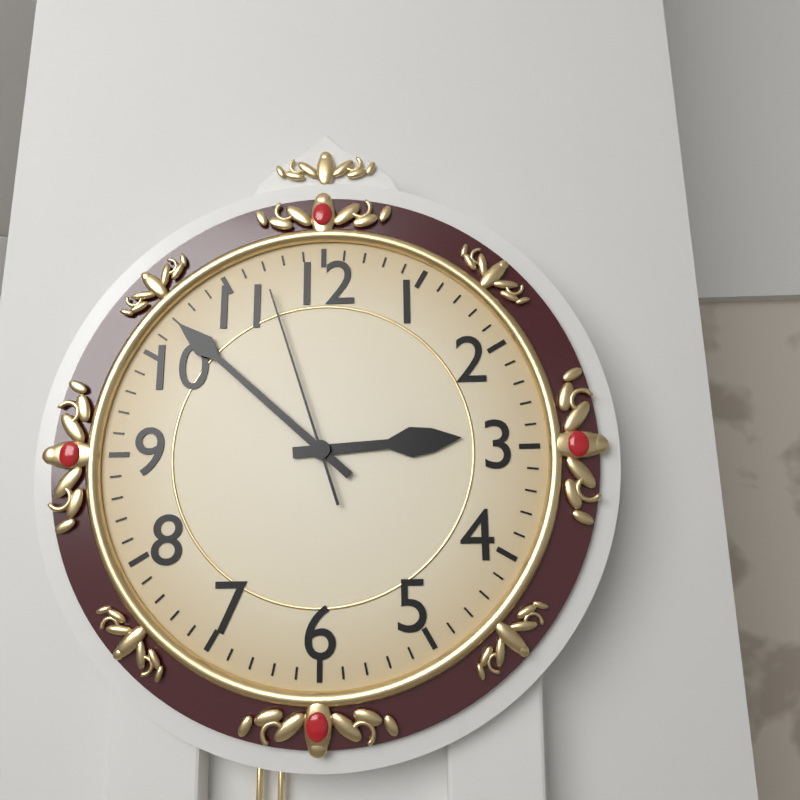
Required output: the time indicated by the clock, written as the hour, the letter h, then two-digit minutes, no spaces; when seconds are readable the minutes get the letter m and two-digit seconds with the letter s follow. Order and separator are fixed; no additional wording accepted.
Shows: 2h52m57s
